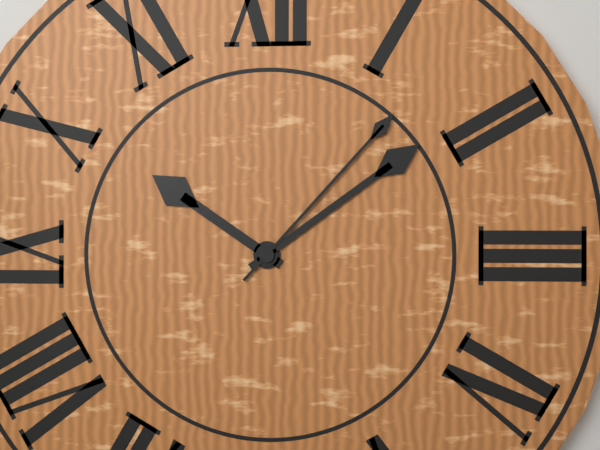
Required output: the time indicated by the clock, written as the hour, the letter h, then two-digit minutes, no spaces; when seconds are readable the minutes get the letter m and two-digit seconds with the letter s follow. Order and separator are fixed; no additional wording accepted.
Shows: 10h09m07s
